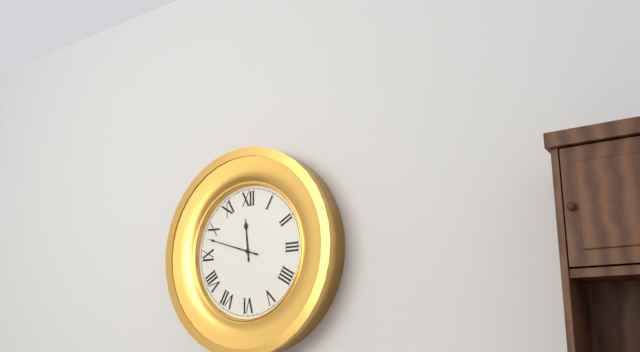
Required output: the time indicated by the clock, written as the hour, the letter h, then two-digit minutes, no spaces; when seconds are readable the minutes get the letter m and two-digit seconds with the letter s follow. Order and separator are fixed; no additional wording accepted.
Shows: 11h48
